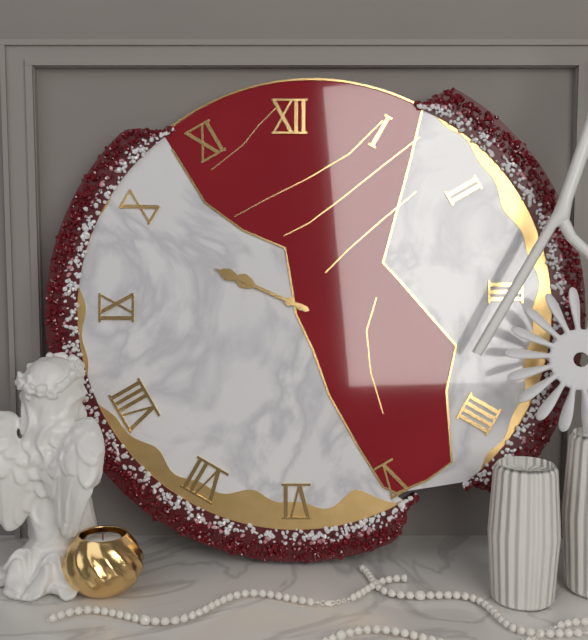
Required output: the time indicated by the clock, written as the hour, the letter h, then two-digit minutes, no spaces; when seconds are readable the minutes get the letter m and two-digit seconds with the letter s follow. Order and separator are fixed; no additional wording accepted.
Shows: 9h49
